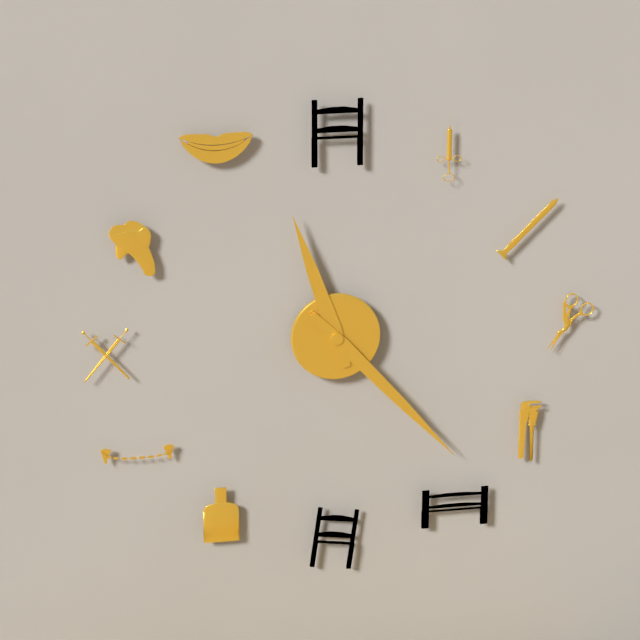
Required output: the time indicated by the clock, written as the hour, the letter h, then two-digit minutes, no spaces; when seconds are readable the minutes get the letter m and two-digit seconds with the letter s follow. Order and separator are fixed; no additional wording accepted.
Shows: 11h23
